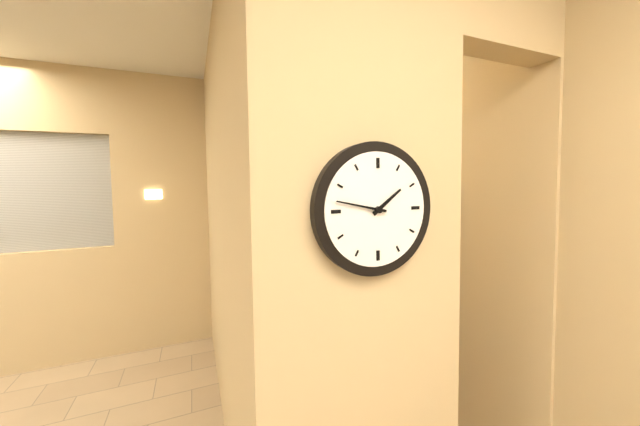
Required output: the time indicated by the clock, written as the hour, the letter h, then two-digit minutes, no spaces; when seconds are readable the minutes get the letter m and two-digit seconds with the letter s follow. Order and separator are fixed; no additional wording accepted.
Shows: 1h47
